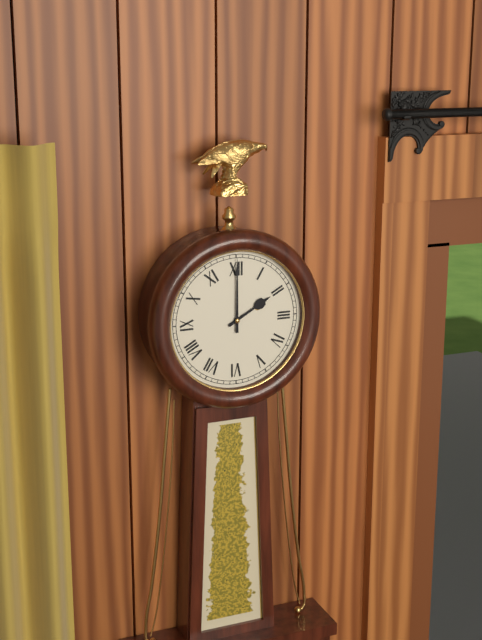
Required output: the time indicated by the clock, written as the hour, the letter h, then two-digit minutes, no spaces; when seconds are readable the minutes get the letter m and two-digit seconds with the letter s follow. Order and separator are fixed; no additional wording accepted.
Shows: 2h00
